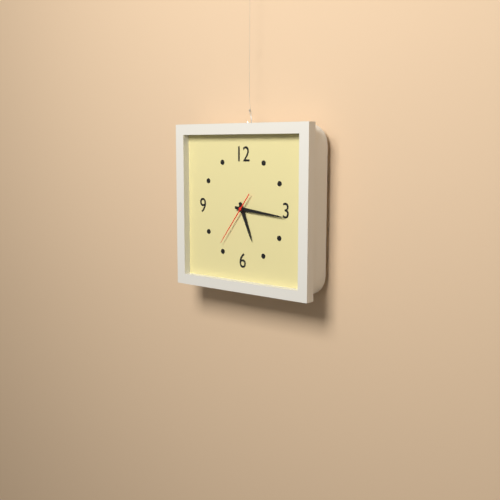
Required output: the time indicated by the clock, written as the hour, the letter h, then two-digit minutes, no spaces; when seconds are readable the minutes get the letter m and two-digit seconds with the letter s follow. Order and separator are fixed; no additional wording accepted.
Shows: 5h16
